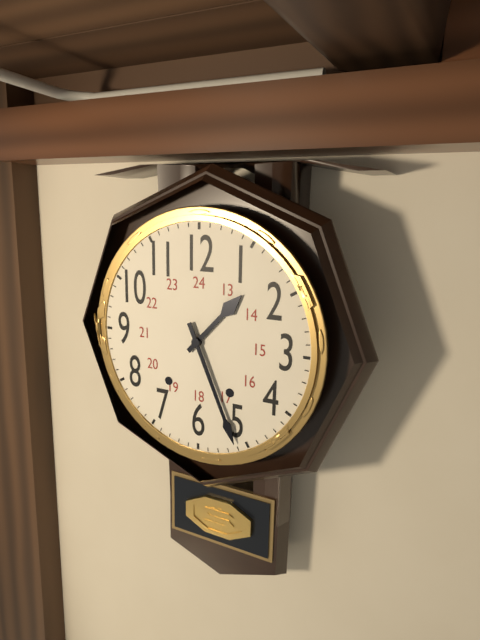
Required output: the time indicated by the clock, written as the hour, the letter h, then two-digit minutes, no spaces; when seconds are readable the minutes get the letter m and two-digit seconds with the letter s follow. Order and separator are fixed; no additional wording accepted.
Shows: 1h26
